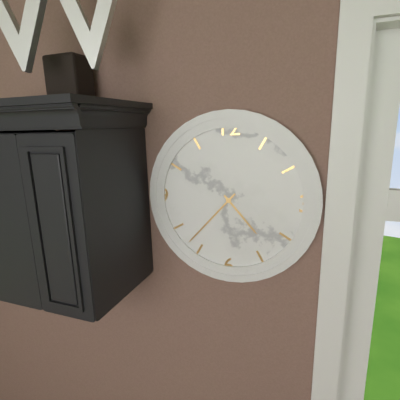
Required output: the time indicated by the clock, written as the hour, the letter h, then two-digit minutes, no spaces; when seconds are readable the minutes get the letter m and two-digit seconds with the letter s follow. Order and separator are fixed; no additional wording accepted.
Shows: 4h37
